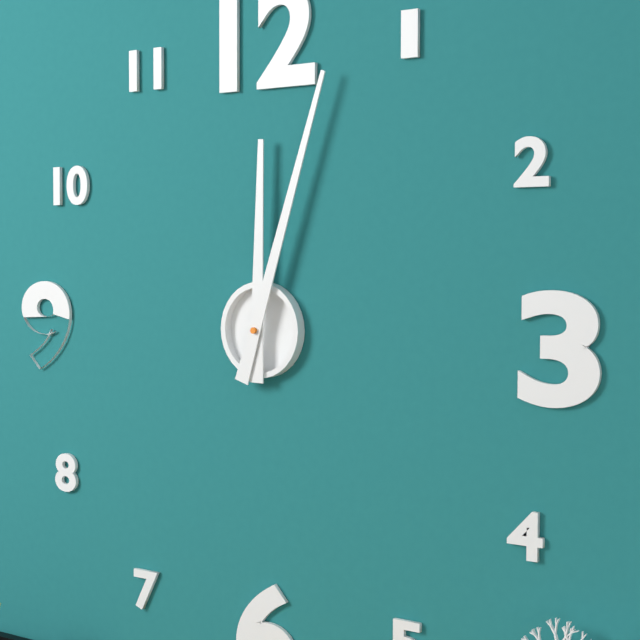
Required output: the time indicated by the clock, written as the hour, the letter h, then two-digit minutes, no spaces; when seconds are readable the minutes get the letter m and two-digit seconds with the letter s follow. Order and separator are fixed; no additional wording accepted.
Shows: 12h03
